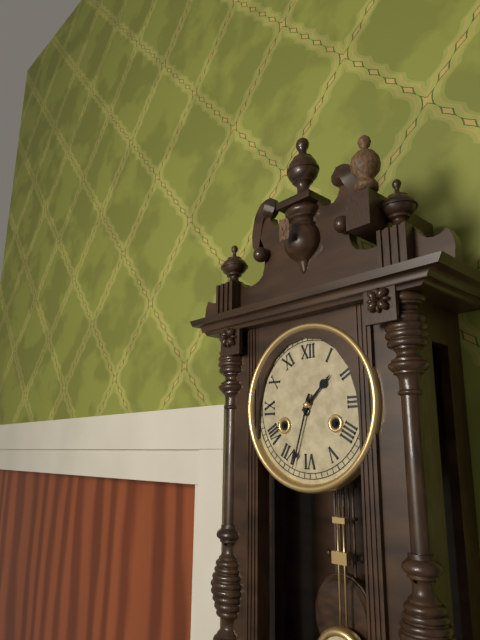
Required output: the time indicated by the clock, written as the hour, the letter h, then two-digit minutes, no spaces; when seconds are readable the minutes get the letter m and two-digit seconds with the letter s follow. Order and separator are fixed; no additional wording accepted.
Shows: 1h33
